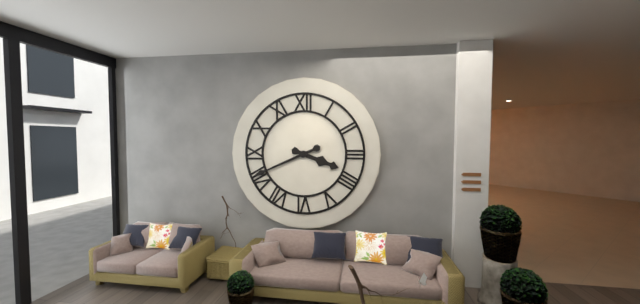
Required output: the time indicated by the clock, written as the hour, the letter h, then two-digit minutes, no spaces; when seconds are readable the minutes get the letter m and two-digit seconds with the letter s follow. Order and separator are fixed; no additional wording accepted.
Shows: 3h41
